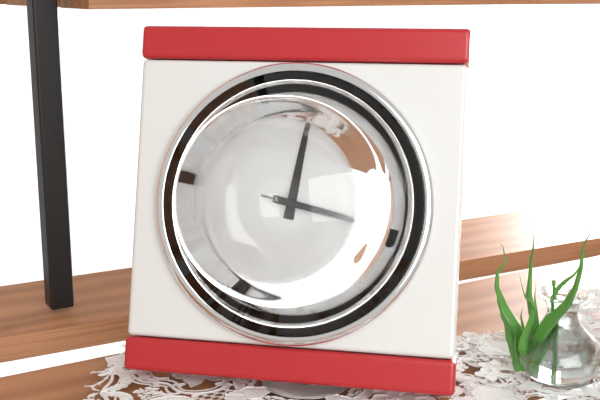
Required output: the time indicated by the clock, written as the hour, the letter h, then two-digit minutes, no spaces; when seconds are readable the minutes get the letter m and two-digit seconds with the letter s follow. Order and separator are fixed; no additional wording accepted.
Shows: 12h17m17s
